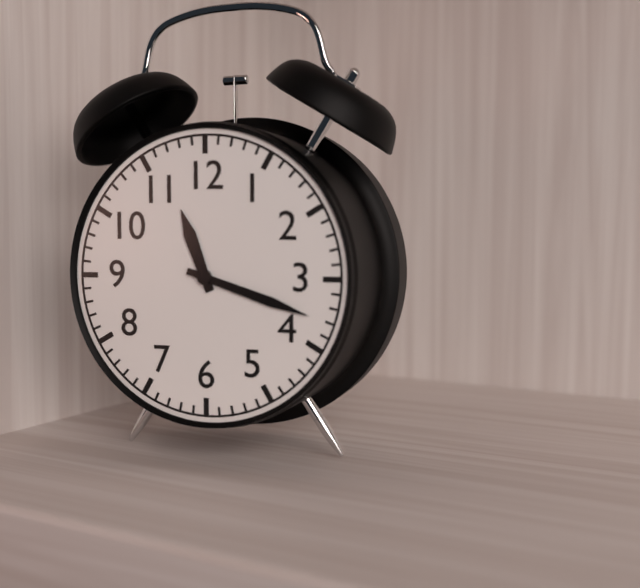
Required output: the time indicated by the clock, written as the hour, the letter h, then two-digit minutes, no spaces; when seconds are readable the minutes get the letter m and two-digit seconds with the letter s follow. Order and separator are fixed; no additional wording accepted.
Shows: 11h18
